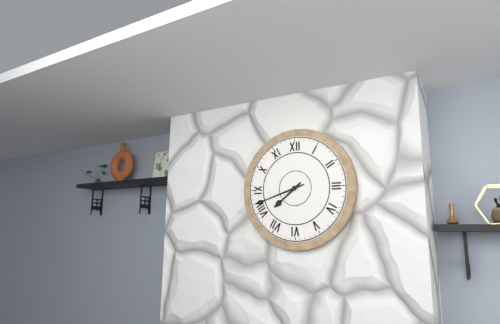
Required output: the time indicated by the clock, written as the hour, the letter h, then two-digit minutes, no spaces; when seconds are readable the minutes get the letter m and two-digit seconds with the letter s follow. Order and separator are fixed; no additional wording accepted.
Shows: 7h42
